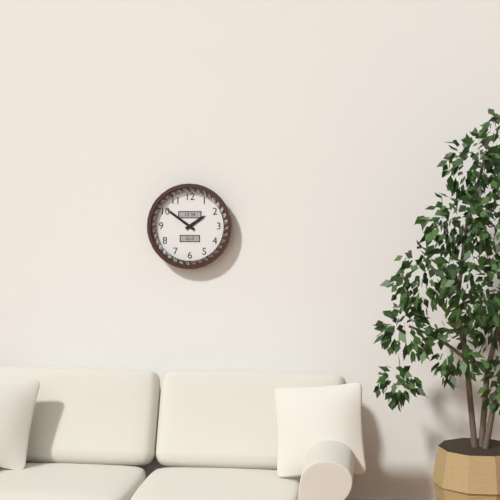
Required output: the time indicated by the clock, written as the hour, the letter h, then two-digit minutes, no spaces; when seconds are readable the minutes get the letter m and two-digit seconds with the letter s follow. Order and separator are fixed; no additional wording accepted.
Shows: 1h51
